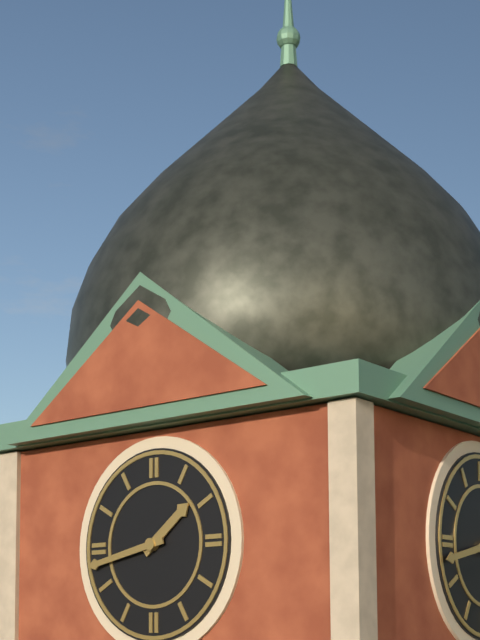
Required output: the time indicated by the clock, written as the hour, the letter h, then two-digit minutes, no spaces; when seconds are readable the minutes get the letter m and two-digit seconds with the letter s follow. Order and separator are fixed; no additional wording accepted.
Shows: 1h43
